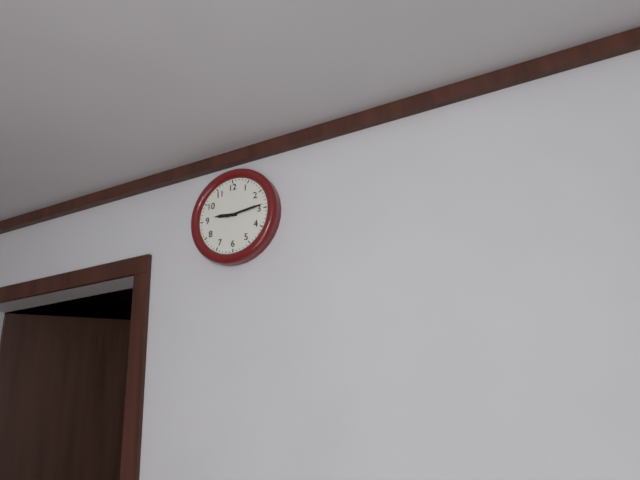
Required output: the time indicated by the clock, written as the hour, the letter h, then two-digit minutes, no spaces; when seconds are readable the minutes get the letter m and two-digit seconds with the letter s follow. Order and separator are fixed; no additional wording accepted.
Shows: 9h14
